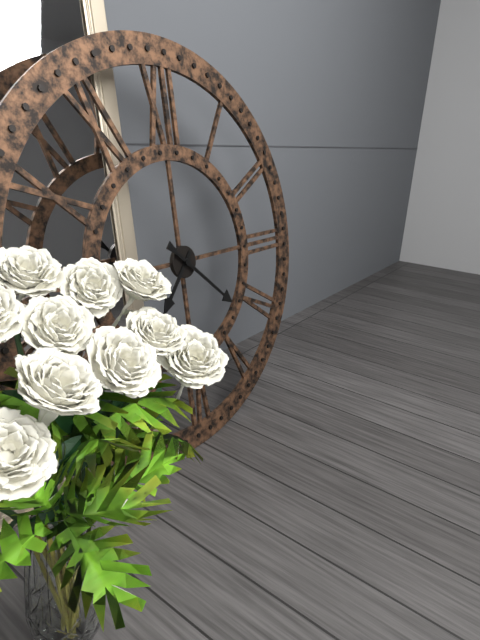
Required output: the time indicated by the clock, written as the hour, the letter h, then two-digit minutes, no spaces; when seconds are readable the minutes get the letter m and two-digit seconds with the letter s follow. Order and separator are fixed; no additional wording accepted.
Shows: 7h22
